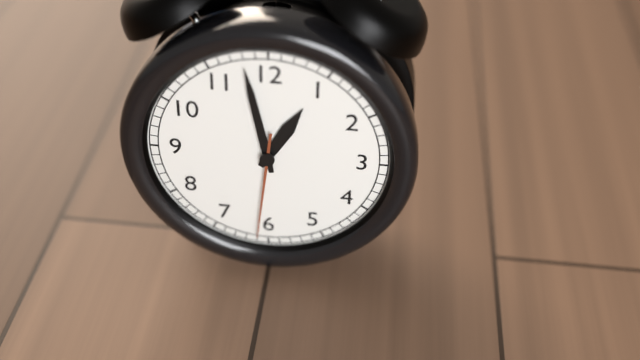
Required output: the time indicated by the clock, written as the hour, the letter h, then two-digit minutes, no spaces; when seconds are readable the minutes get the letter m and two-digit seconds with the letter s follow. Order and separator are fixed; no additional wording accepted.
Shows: 12h58m31s
